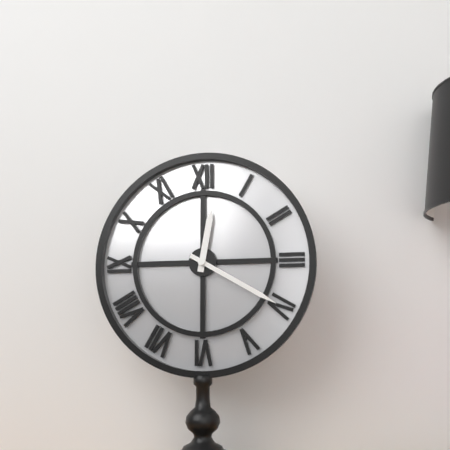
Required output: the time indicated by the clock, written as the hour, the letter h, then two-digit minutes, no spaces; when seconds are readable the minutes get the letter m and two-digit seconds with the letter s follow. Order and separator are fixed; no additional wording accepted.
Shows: 12h20
